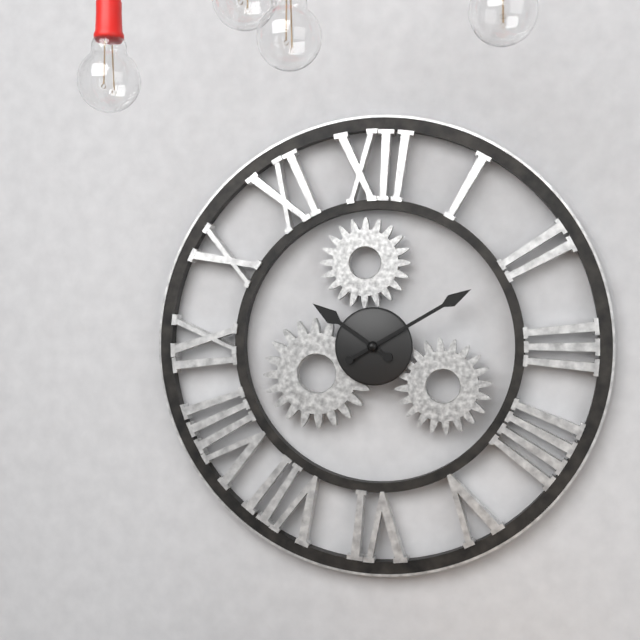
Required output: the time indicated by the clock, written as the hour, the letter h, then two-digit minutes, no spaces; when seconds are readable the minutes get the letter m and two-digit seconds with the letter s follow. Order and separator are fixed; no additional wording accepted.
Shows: 10h10
